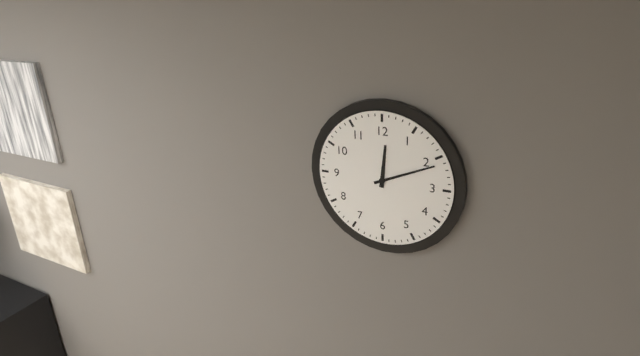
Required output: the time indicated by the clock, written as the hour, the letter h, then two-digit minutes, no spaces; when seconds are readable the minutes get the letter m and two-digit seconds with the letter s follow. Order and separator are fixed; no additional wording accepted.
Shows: 12h11
